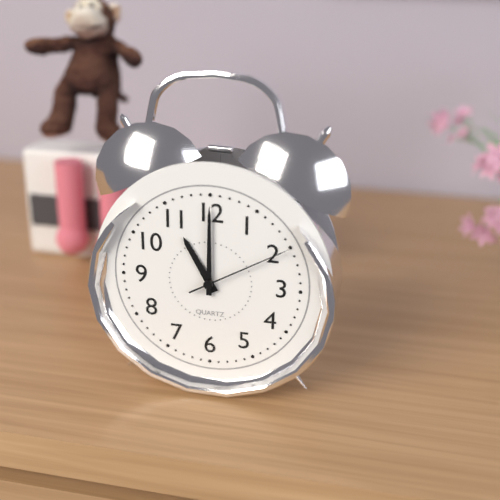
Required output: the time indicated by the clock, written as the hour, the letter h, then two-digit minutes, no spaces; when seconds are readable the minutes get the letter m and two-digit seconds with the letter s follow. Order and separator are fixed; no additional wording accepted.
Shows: 11h00m10s
